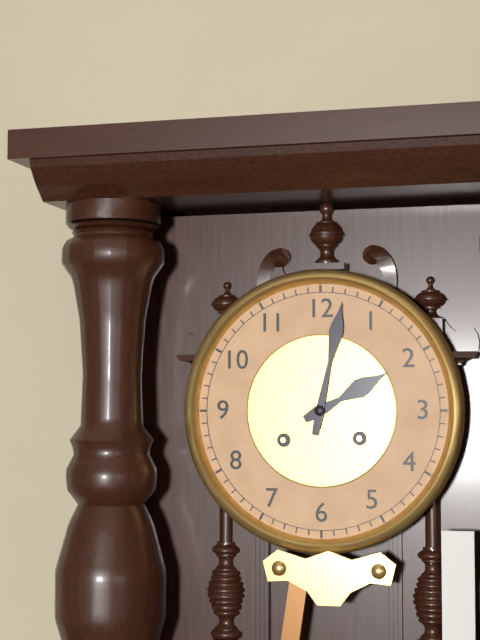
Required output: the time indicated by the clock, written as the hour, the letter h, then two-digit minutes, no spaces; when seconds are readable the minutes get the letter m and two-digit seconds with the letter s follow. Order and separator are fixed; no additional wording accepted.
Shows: 2h02
